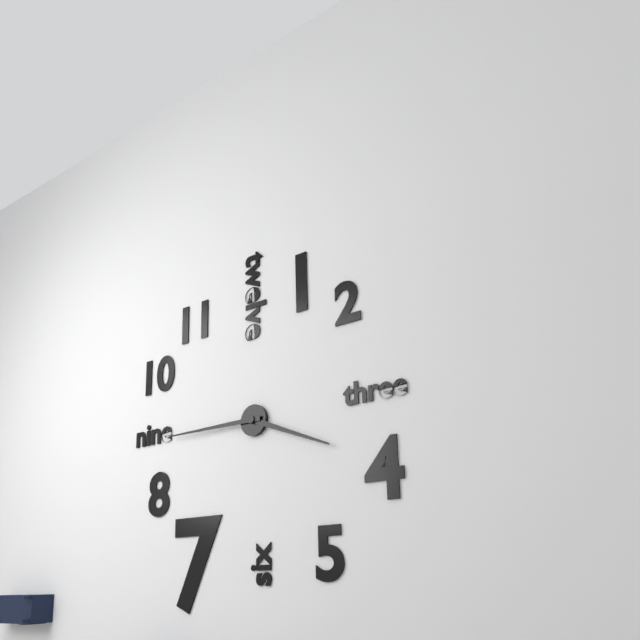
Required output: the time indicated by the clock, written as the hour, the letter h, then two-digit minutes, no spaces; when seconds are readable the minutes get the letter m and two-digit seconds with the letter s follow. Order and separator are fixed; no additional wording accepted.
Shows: 3h45
